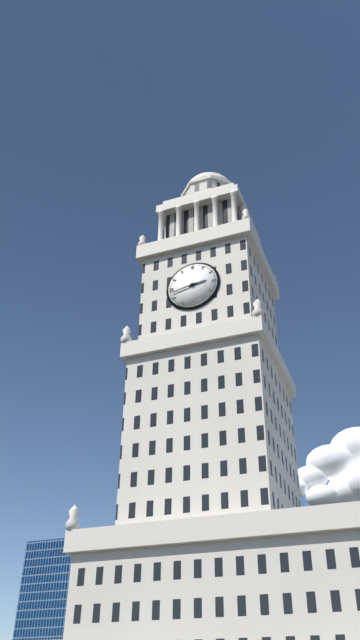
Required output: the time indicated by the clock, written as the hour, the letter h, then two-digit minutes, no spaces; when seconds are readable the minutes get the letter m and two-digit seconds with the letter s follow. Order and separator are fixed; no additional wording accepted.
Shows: 2h43
